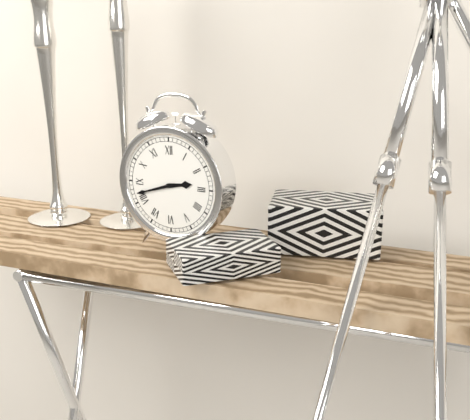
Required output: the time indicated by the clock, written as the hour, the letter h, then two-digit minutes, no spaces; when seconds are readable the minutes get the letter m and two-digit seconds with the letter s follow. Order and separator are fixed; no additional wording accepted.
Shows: 2h42
